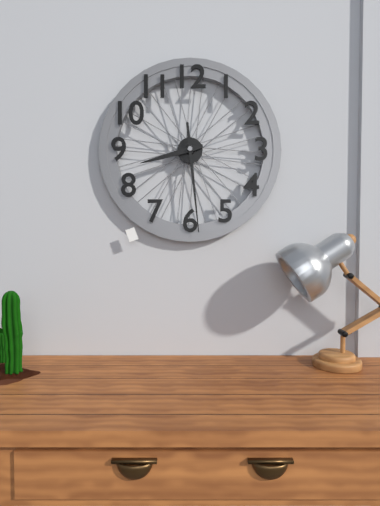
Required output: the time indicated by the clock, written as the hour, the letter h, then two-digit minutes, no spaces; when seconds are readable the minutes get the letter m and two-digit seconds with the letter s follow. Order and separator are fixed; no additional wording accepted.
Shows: 8h29
